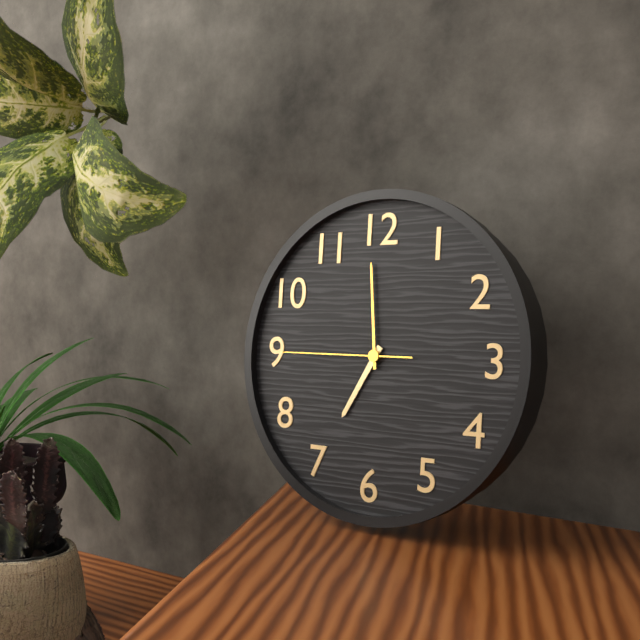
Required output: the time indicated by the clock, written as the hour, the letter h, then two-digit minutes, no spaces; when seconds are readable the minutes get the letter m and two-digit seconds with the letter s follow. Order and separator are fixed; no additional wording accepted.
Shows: 6h59m45s
